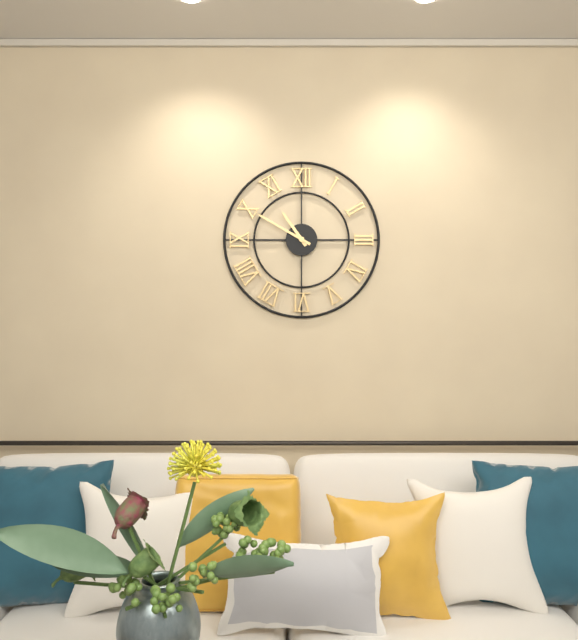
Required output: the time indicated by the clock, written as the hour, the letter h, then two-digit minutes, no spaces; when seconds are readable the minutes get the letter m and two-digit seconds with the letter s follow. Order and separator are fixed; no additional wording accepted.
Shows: 10h50
